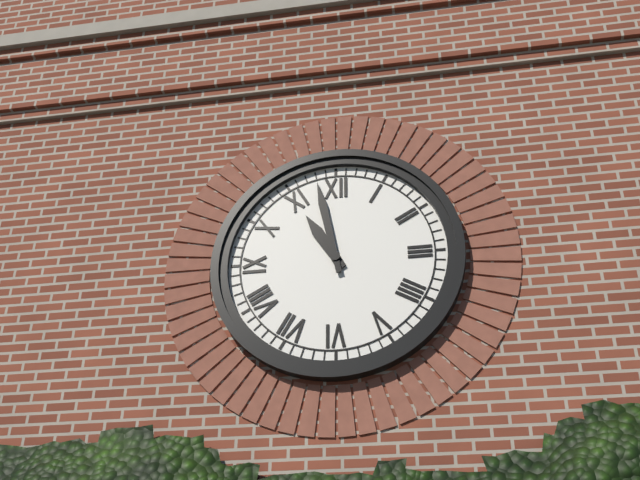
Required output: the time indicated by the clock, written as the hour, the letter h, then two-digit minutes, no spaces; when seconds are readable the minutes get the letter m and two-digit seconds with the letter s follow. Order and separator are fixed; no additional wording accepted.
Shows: 10h58
